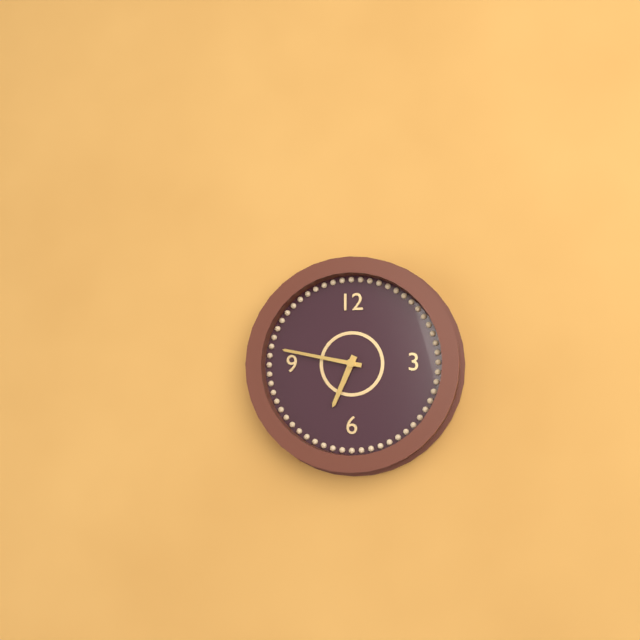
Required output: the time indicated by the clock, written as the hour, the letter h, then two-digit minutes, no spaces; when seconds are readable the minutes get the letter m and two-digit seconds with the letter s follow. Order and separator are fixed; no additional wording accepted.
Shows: 6h47
